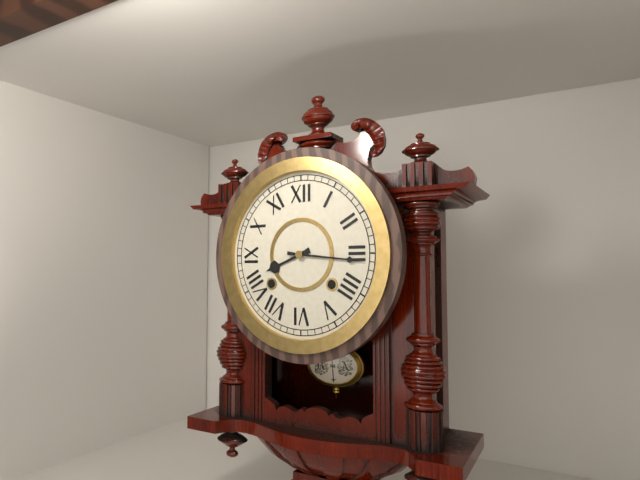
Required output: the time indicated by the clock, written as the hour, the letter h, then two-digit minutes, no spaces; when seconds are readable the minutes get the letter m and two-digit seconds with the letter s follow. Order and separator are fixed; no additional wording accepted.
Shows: 8h16
